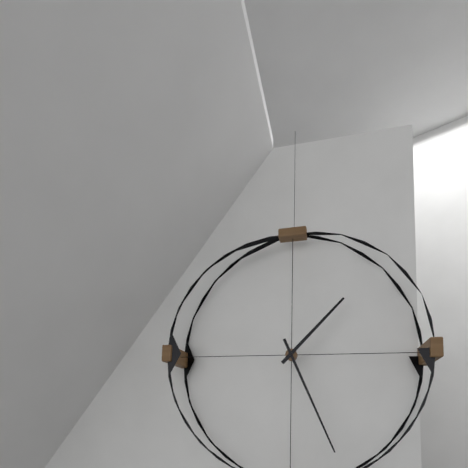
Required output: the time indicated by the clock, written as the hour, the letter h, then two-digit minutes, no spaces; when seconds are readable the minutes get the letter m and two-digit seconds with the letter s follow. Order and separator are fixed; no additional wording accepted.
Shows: 1h26
